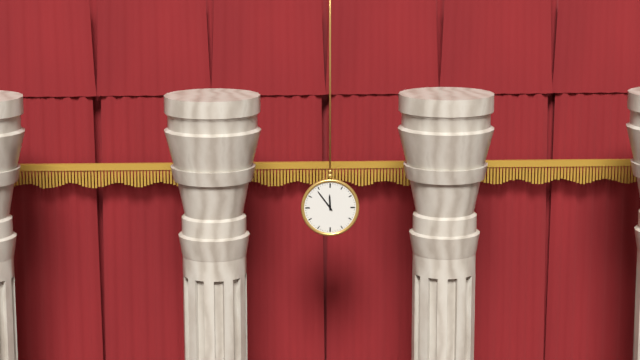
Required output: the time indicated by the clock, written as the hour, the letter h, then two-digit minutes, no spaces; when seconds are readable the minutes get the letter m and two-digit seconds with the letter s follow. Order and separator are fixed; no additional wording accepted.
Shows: 11h54
